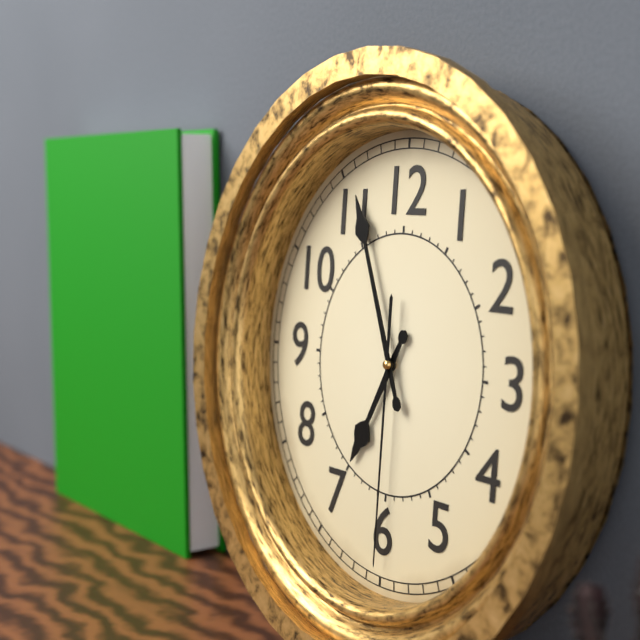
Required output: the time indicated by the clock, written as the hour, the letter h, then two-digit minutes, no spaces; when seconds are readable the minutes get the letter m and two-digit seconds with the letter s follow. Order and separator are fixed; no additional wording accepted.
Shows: 6h56m30s
